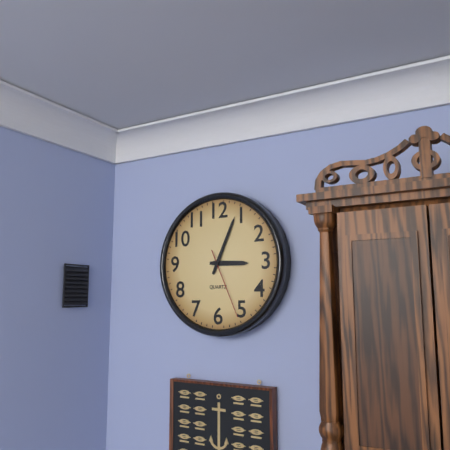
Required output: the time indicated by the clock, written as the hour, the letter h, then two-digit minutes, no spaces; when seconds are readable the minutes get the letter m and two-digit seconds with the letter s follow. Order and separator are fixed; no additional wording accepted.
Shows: 3h04m26s
